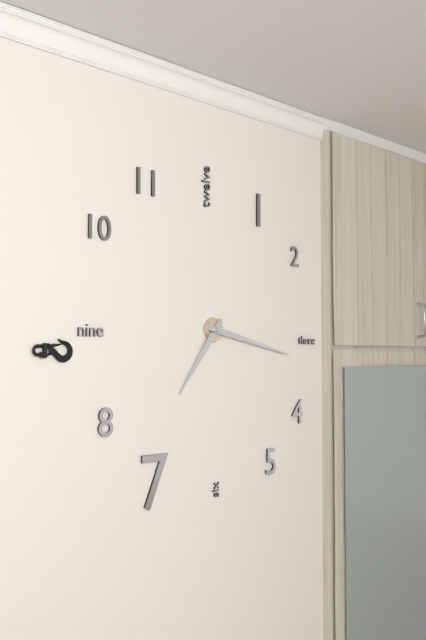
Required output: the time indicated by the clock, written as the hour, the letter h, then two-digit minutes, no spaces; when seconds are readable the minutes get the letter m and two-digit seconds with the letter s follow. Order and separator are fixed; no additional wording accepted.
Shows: 7h17
